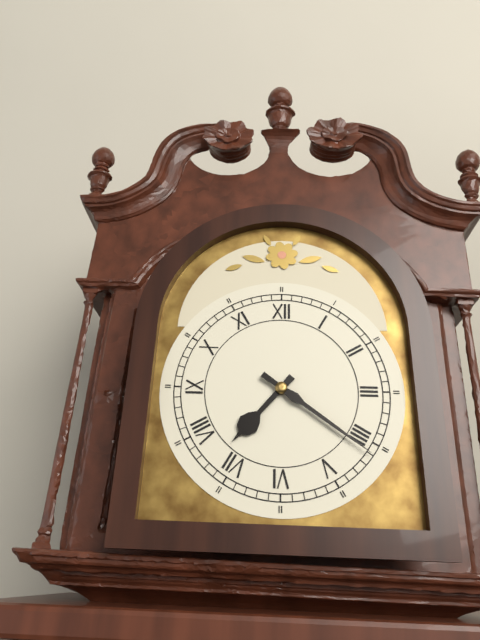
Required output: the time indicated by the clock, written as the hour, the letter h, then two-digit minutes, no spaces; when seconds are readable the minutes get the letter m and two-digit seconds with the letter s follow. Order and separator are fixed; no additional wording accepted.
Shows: 7h21
